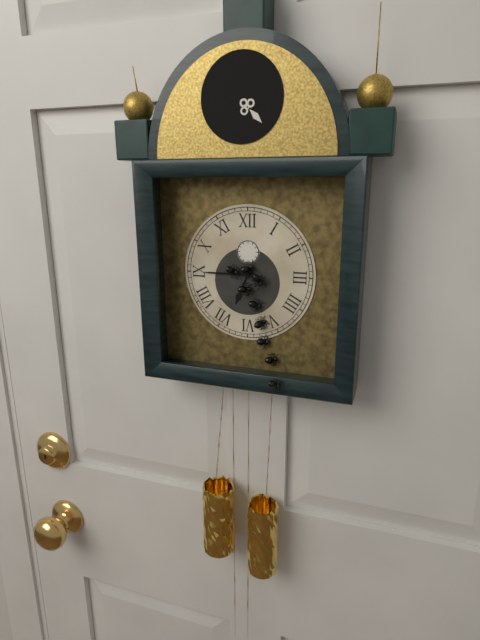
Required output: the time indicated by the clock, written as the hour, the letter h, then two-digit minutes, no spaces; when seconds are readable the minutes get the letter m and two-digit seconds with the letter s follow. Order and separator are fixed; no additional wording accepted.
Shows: 6h45
